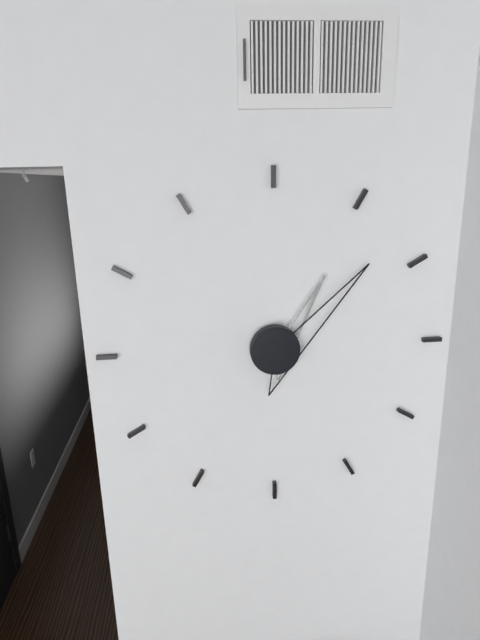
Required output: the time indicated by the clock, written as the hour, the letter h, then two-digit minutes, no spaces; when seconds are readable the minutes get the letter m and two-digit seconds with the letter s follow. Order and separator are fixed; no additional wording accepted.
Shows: 1h08
